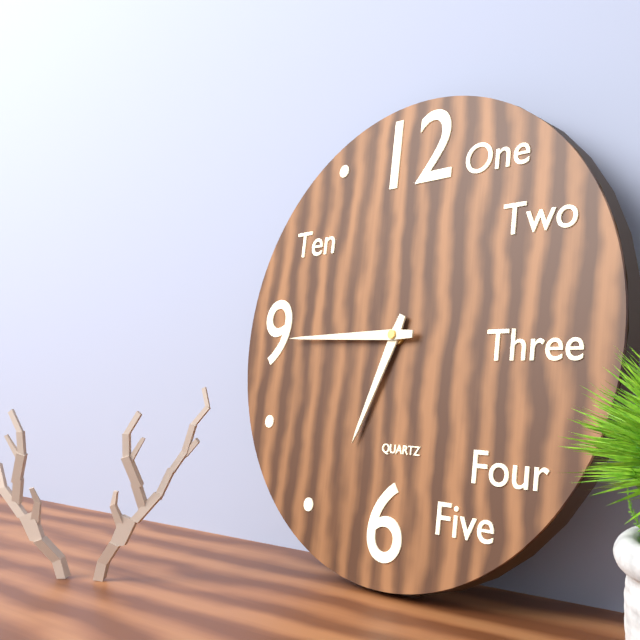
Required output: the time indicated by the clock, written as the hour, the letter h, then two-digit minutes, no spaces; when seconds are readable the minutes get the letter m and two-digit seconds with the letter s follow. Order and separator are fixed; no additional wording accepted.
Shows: 6h45
